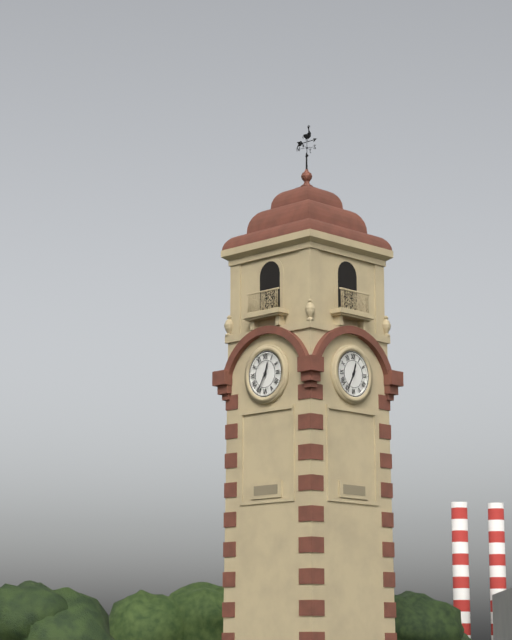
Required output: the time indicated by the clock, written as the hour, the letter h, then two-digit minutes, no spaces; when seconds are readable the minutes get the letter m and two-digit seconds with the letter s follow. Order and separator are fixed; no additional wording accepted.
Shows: 12h35
